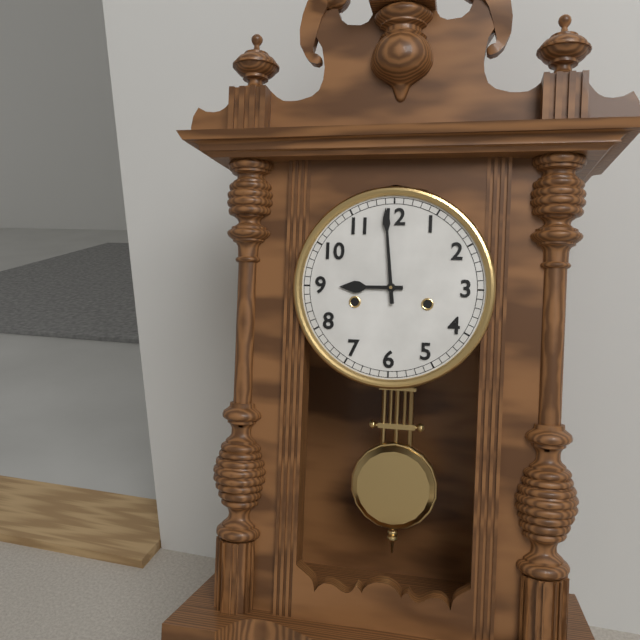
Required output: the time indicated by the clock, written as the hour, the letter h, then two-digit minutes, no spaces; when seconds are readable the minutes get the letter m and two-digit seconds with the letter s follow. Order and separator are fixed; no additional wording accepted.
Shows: 8h59
